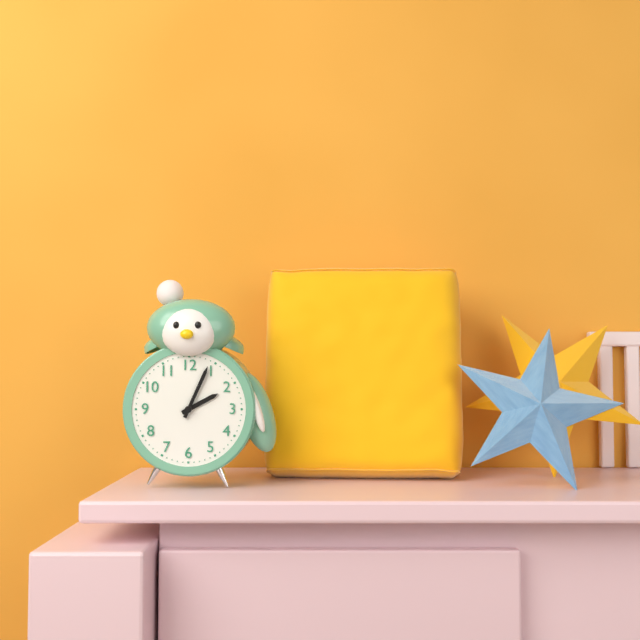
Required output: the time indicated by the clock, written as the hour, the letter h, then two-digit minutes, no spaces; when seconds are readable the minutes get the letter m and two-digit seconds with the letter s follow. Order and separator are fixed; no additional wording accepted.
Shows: 2h04
